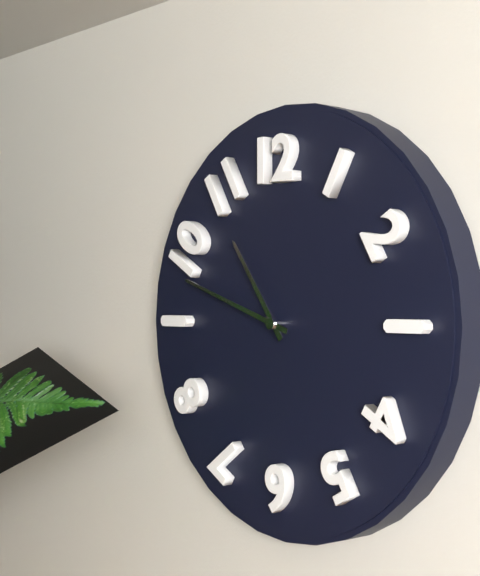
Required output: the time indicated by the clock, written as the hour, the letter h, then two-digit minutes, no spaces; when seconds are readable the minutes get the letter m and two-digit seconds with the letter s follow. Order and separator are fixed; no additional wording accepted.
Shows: 10h48
